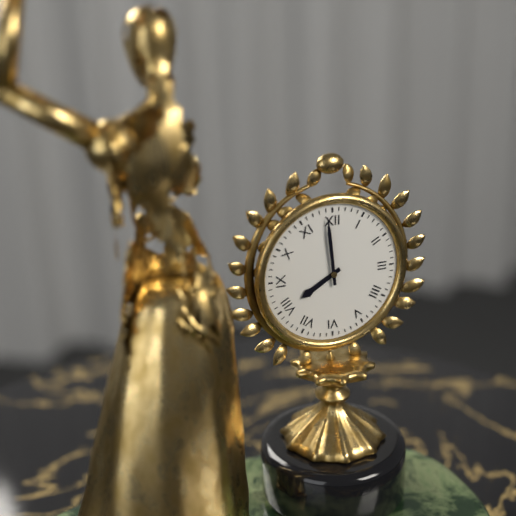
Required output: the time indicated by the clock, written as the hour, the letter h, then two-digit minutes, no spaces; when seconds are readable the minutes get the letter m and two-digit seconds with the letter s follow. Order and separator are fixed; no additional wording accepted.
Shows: 7h59
